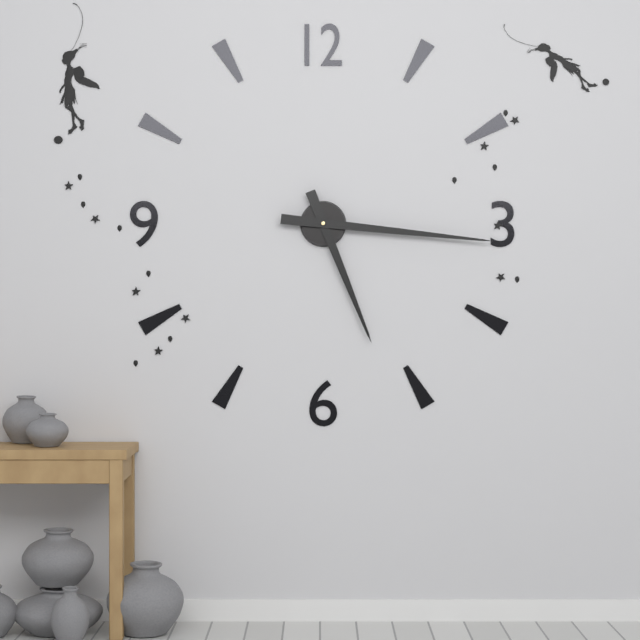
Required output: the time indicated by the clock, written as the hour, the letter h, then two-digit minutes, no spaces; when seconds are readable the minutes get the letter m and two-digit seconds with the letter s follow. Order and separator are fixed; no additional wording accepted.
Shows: 5h16
